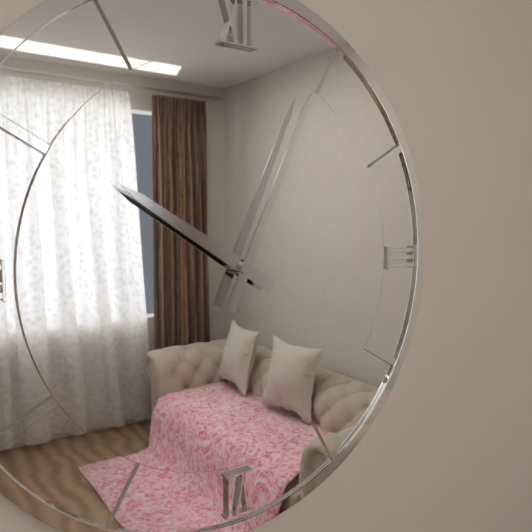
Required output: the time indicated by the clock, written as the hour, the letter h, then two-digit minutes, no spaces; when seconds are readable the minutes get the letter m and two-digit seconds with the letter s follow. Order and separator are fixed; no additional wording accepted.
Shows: 10h04
